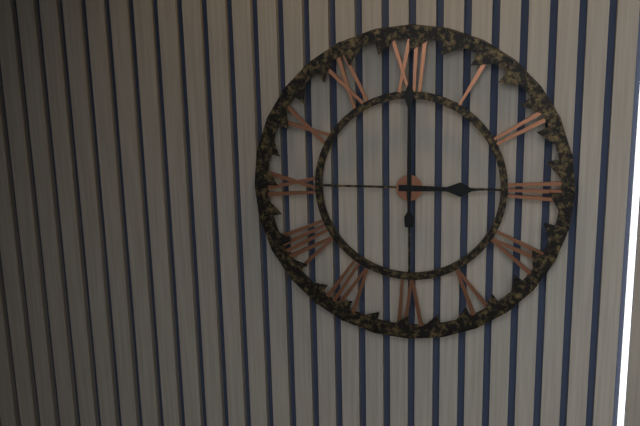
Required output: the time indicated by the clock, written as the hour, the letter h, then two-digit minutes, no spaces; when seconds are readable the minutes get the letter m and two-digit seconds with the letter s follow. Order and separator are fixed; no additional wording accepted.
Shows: 3h00
